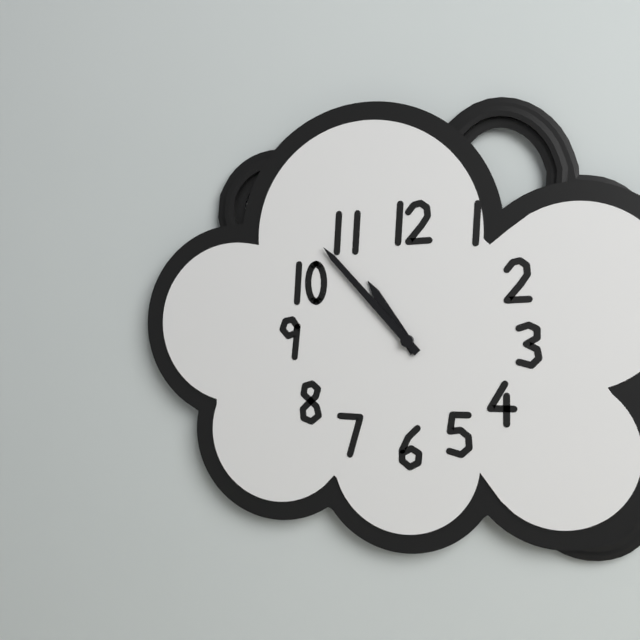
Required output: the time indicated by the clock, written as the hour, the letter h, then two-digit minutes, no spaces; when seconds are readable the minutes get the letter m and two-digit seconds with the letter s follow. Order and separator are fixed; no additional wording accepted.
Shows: 10h53
